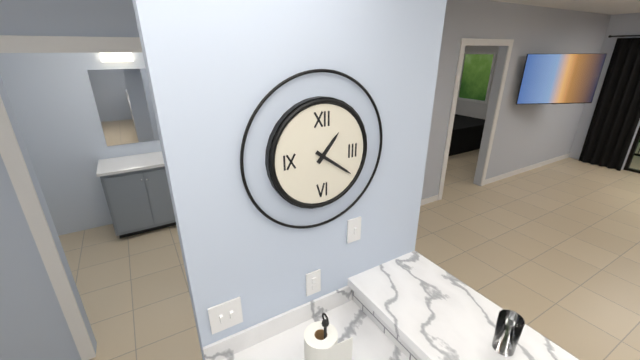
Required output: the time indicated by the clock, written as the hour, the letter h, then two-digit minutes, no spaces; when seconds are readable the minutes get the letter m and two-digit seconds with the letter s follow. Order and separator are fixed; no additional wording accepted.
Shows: 1h21
